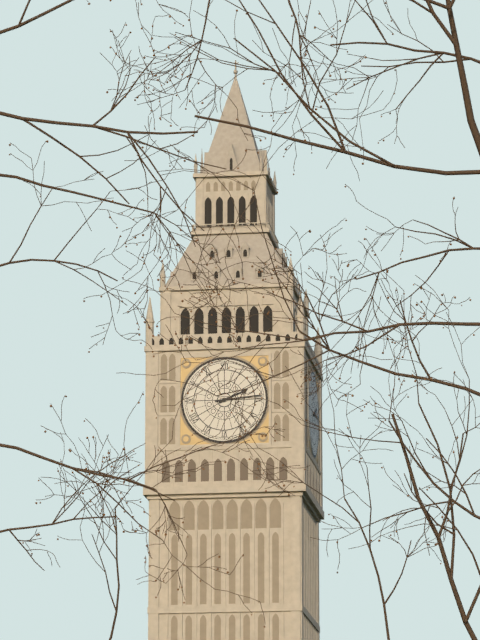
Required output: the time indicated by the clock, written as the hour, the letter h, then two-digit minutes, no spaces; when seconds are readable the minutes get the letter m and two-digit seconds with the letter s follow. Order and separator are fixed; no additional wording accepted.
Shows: 2h14
